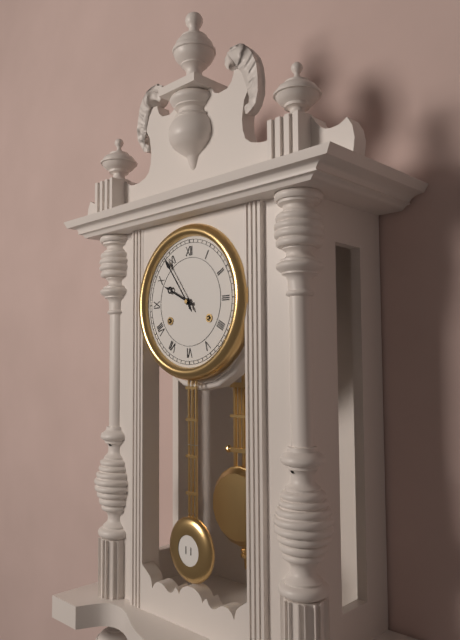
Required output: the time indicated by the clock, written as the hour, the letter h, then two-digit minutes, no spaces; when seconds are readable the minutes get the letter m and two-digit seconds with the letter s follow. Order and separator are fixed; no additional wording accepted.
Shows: 9h54
